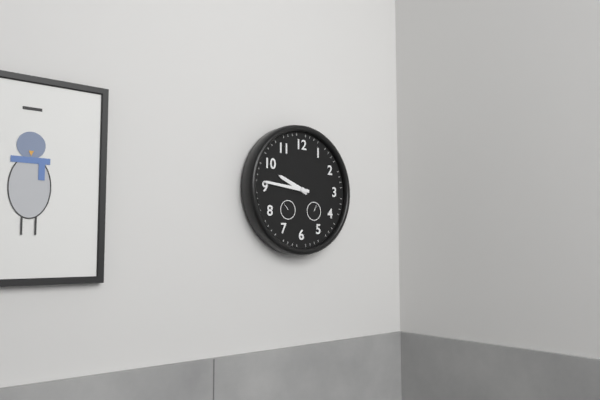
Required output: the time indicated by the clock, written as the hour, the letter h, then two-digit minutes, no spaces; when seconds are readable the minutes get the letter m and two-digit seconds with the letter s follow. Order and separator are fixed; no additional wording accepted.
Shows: 9h46
